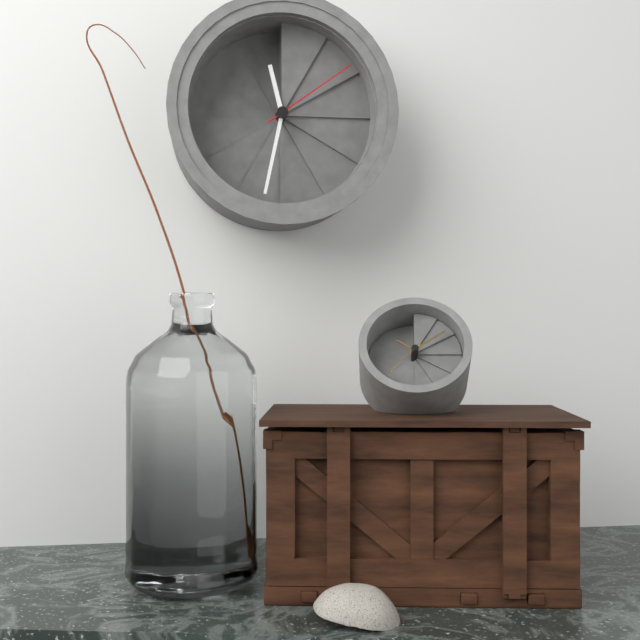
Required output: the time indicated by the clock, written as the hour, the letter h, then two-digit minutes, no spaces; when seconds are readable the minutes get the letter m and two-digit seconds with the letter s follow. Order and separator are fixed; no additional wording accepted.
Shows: 11h32m09s
